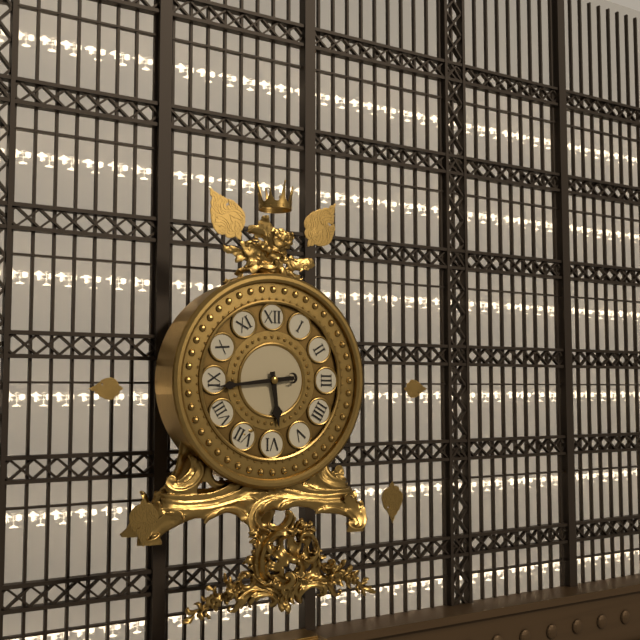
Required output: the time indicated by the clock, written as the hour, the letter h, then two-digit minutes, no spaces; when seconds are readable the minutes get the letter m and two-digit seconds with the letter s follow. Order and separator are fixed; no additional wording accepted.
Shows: 5h44
